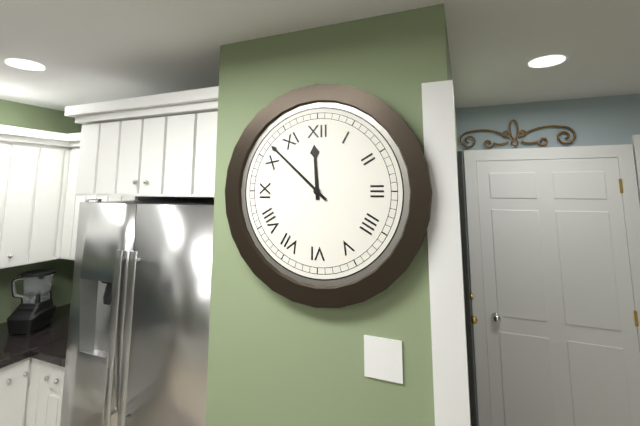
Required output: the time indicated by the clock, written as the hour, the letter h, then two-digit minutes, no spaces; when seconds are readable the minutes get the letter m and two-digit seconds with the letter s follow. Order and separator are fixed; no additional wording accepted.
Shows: 11h52
